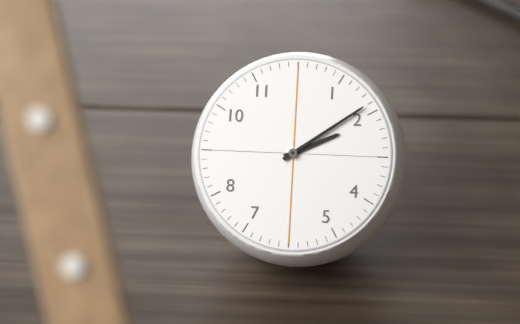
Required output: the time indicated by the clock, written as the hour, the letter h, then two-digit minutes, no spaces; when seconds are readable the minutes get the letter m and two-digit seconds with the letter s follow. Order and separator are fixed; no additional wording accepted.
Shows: 2h09
